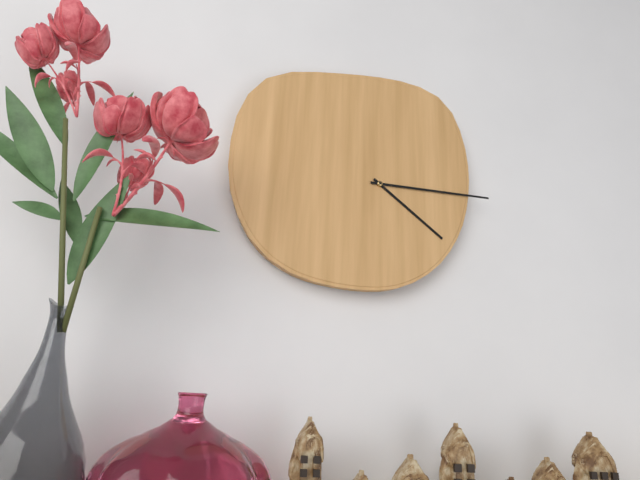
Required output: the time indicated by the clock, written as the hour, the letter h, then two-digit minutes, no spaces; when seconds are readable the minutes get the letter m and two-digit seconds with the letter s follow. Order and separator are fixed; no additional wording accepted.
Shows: 4h15
